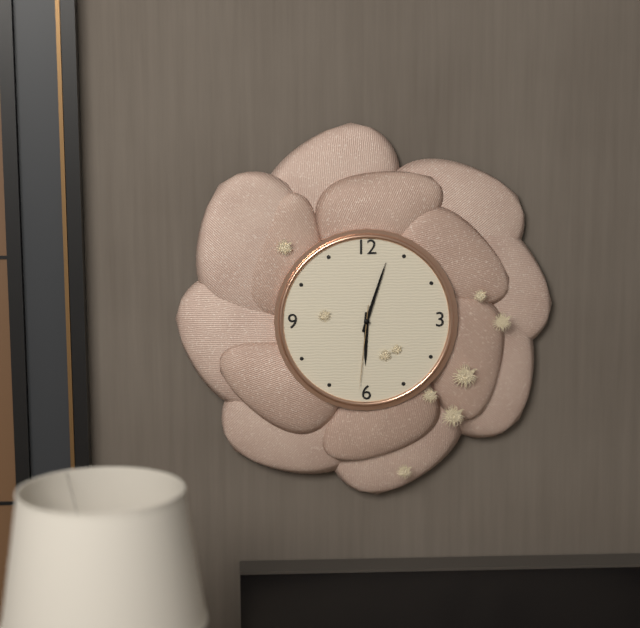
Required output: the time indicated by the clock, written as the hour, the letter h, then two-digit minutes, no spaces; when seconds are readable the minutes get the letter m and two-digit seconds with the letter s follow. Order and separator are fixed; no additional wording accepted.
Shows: 6h03m31s
